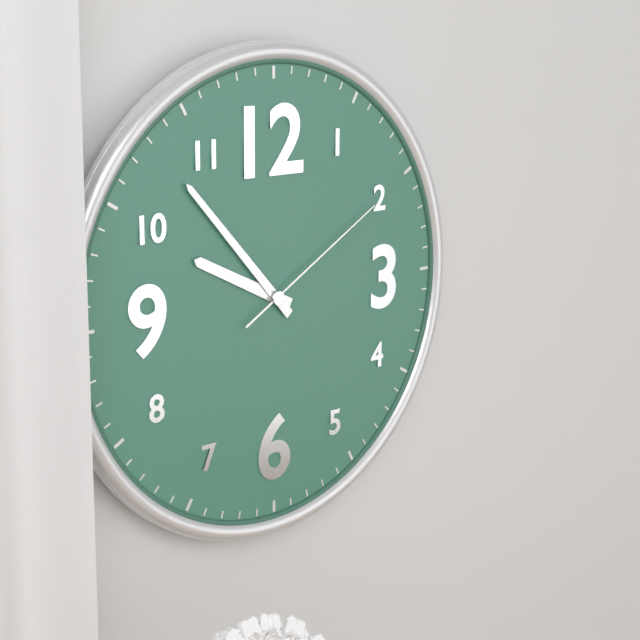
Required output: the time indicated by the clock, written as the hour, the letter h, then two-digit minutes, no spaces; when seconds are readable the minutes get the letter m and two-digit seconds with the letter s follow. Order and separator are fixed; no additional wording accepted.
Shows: 9h53m10s
